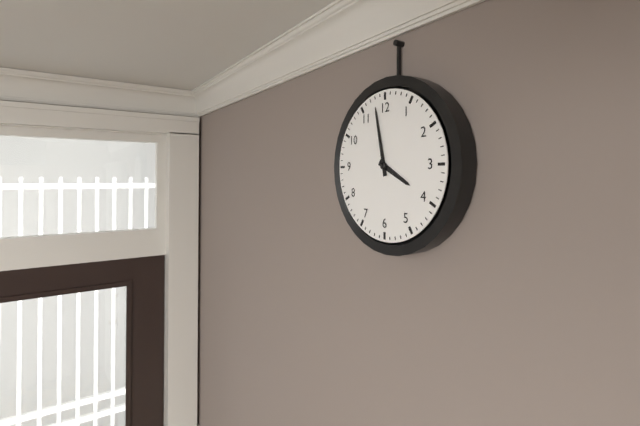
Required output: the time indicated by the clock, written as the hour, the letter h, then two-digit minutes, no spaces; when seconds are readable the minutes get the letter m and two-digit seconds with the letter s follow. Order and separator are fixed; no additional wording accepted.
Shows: 3h58
